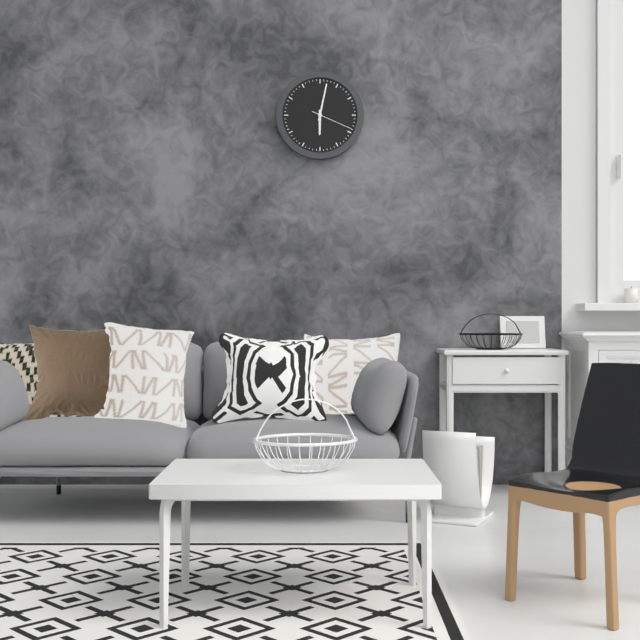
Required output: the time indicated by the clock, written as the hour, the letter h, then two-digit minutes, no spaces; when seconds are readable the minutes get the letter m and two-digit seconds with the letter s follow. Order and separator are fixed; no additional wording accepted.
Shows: 6h02
